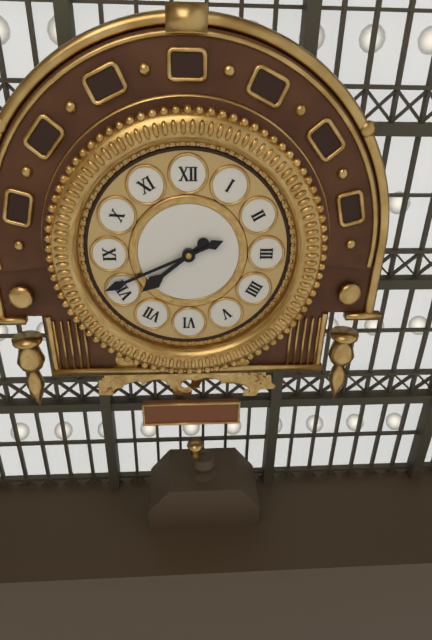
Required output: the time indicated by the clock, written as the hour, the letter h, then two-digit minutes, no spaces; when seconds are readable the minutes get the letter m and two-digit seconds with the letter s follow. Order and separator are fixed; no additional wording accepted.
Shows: 7h41
